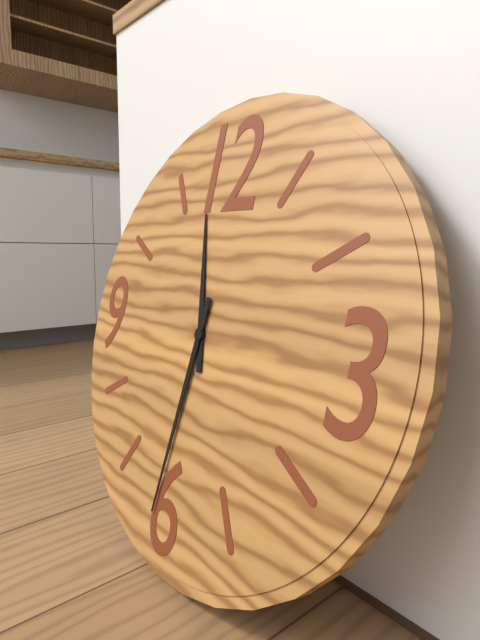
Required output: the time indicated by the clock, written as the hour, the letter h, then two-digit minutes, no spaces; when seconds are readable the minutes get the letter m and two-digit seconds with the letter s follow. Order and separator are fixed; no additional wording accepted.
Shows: 11h31
